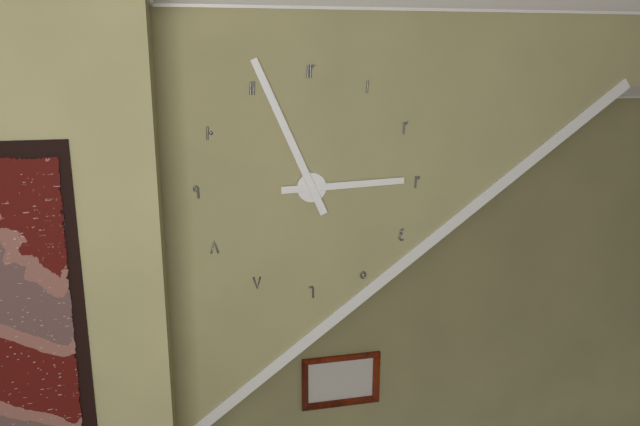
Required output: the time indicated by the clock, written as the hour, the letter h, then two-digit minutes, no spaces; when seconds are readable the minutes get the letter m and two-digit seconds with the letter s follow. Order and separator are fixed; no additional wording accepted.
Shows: 2h56
